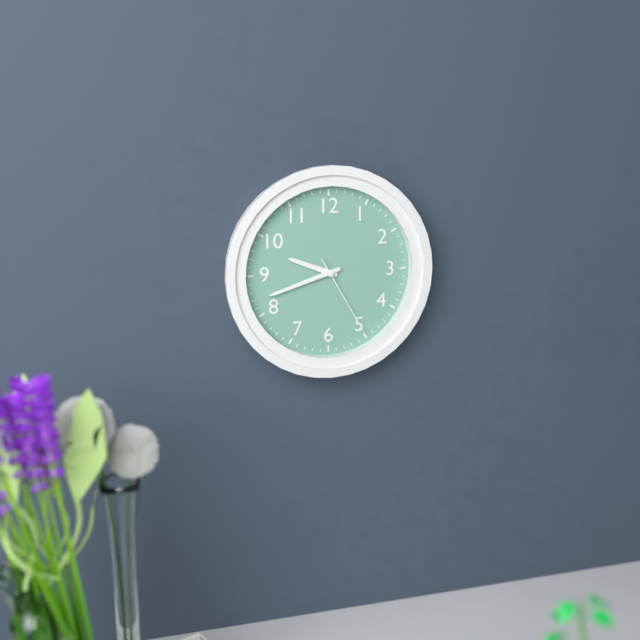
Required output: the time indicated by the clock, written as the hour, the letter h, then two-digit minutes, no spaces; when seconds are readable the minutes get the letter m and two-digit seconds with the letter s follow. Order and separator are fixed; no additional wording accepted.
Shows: 9h42m25s
